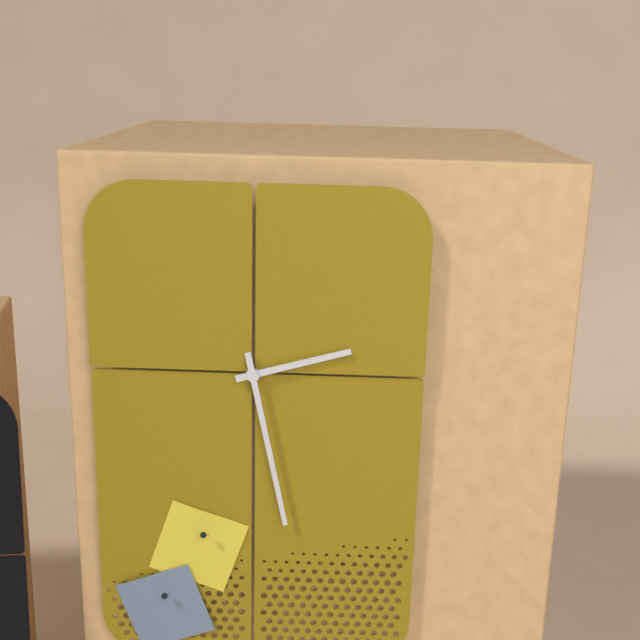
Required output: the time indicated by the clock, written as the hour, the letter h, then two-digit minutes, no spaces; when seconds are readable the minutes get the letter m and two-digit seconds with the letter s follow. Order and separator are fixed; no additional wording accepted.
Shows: 2h28
